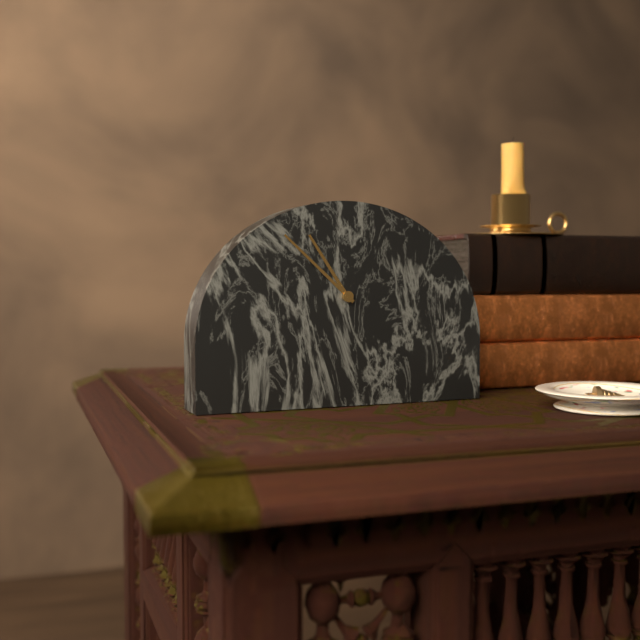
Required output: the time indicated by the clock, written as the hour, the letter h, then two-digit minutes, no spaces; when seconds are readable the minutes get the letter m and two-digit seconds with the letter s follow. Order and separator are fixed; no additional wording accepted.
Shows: 10h52
